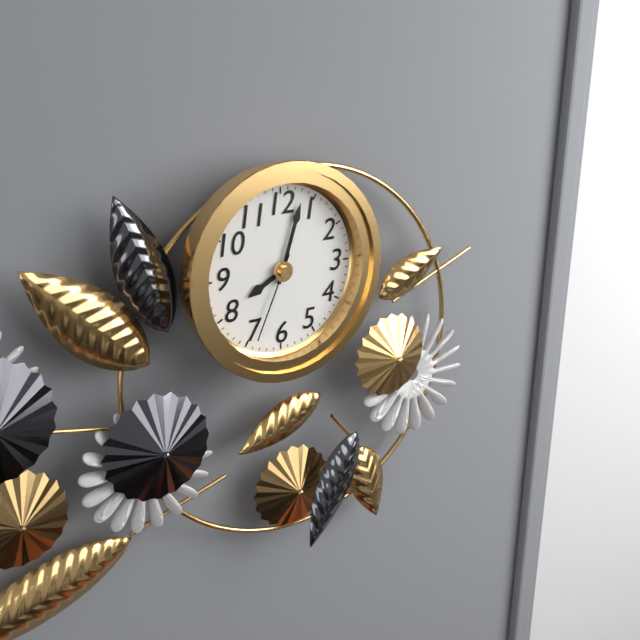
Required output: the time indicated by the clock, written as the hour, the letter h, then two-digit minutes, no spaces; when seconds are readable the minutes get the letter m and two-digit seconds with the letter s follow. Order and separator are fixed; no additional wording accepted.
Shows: 8h03m34s
